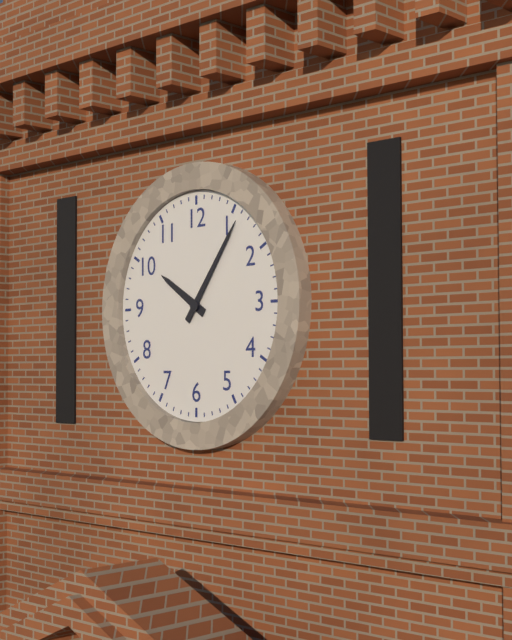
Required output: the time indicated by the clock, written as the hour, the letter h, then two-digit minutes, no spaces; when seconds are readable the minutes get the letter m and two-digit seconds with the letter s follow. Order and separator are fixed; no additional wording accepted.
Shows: 10h06
